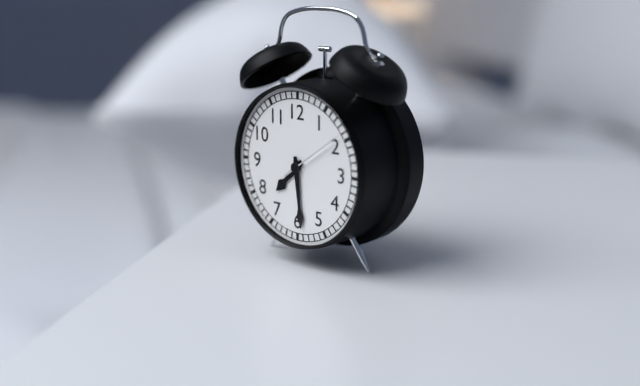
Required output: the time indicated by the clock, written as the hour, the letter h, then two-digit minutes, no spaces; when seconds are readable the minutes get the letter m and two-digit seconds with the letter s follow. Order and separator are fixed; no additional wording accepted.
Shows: 7h29m09s
